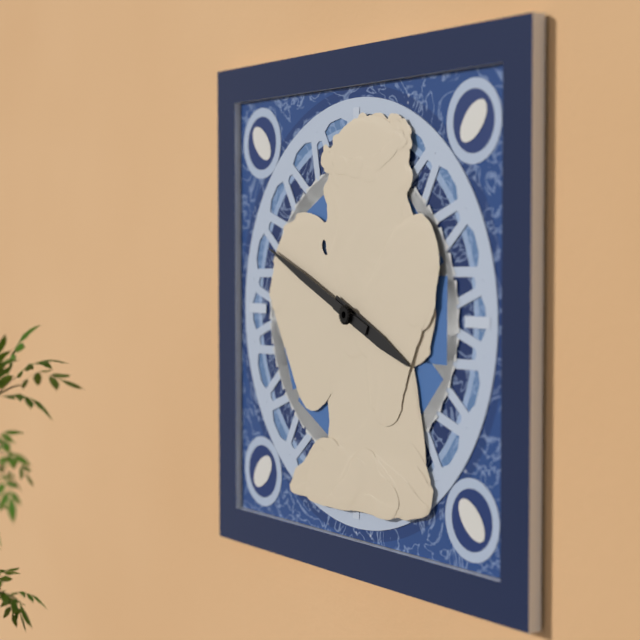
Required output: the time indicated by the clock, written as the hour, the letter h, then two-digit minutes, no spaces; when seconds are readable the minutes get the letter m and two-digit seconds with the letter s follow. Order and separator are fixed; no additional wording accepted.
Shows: 3h49
